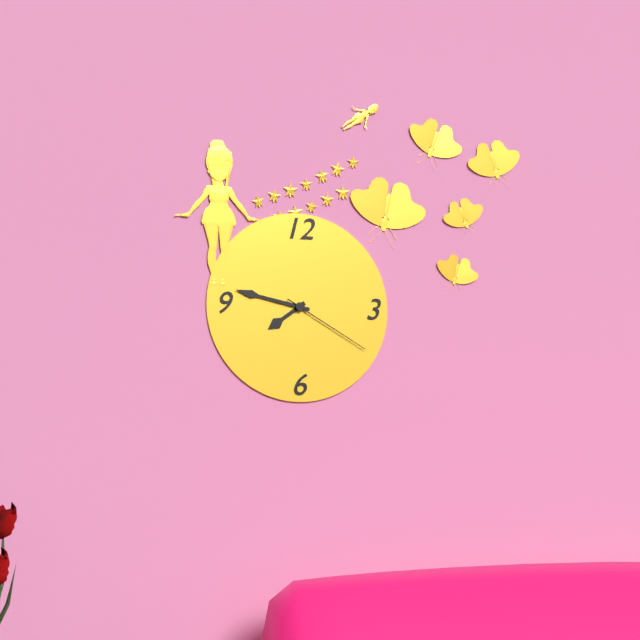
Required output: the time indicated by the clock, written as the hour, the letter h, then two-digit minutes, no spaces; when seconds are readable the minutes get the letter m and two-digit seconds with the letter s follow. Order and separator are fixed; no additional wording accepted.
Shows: 7h47m20s
